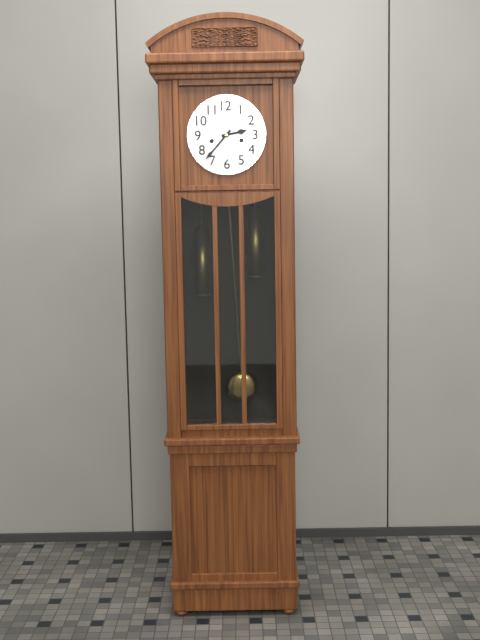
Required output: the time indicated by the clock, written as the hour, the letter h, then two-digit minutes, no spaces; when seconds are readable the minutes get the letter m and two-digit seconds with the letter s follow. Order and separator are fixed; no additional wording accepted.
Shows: 2h37
